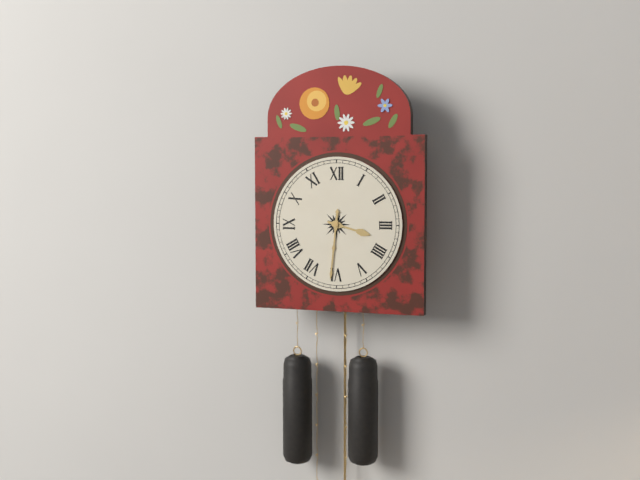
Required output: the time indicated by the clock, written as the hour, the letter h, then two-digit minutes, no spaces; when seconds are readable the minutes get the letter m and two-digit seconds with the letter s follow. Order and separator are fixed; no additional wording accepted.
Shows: 3h31
